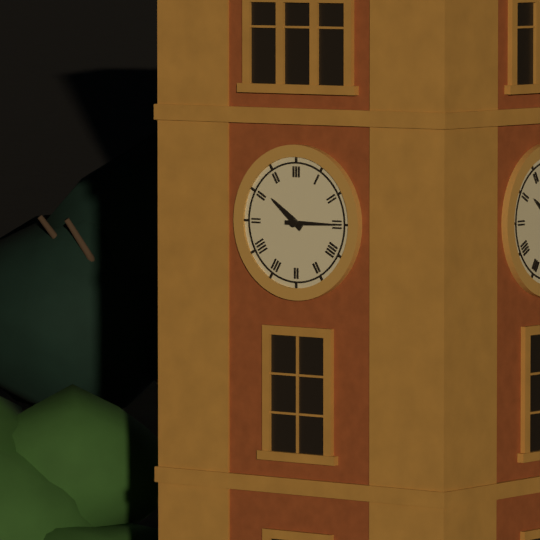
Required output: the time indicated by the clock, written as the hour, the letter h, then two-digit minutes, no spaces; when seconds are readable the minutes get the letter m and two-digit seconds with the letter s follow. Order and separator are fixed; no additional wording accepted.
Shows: 10h15
